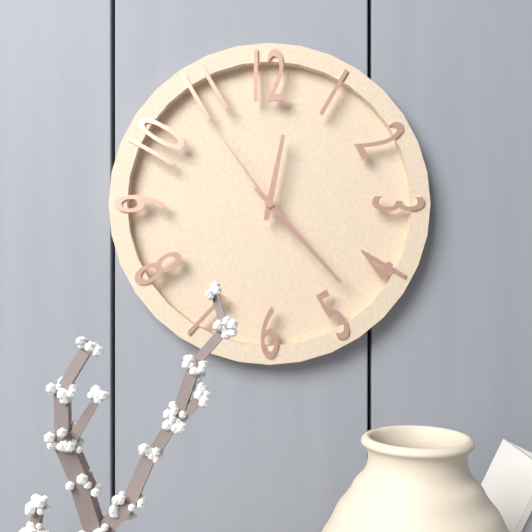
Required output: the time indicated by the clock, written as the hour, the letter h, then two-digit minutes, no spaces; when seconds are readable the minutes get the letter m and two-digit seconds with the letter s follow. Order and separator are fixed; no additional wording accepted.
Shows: 12h23m54s
